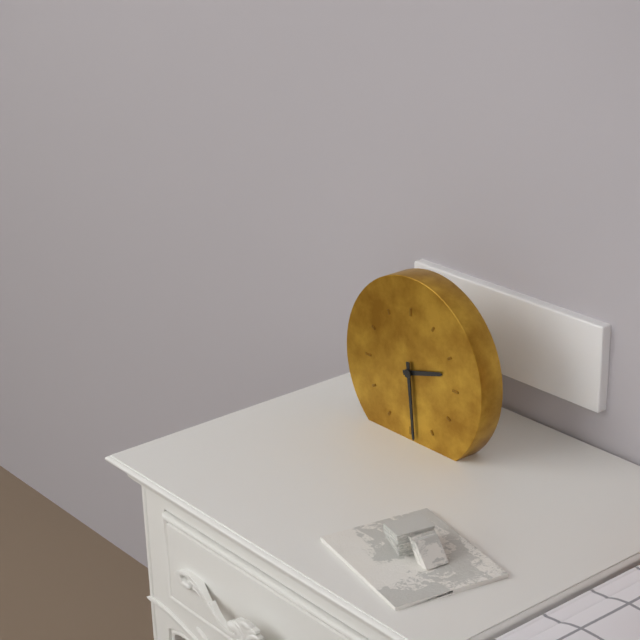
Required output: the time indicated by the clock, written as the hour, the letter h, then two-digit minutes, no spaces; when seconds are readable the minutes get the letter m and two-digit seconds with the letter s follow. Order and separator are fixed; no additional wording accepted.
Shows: 2h29
